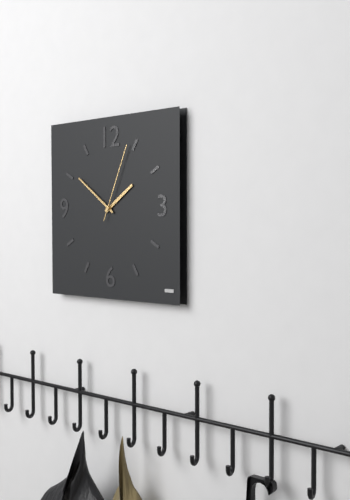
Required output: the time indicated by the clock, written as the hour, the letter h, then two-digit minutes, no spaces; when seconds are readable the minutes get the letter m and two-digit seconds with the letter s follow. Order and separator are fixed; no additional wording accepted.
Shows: 1h51m04s
